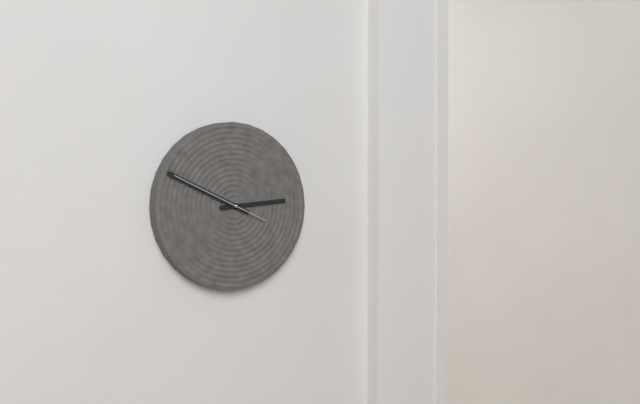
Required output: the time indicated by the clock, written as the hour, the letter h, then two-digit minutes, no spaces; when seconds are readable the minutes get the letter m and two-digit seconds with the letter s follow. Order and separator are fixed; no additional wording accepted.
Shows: 2h49m49s
